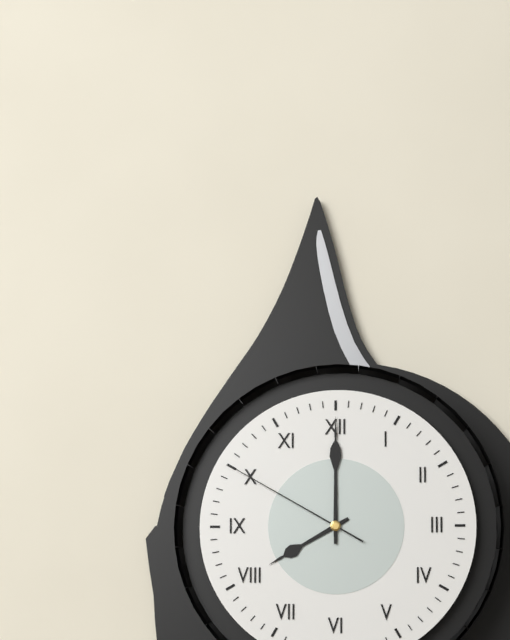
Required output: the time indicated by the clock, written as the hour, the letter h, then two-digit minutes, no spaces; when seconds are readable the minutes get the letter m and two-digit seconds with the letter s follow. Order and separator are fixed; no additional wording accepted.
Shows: 8h00m50s
